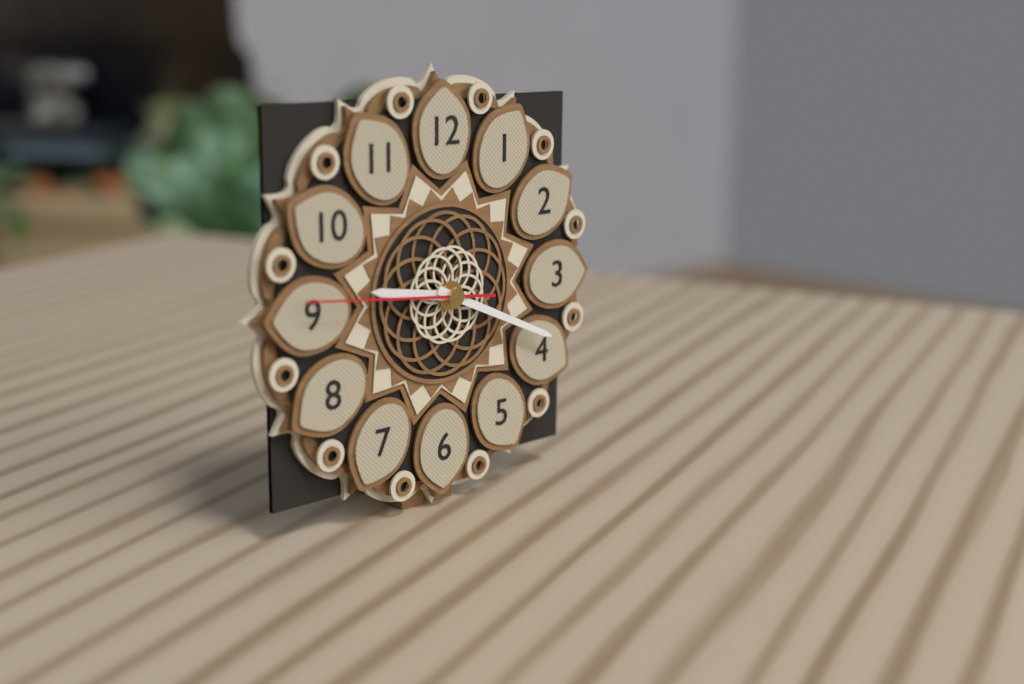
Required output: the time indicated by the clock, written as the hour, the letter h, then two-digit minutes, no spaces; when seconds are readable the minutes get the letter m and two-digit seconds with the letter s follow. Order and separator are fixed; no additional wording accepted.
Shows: 9h19m46s
